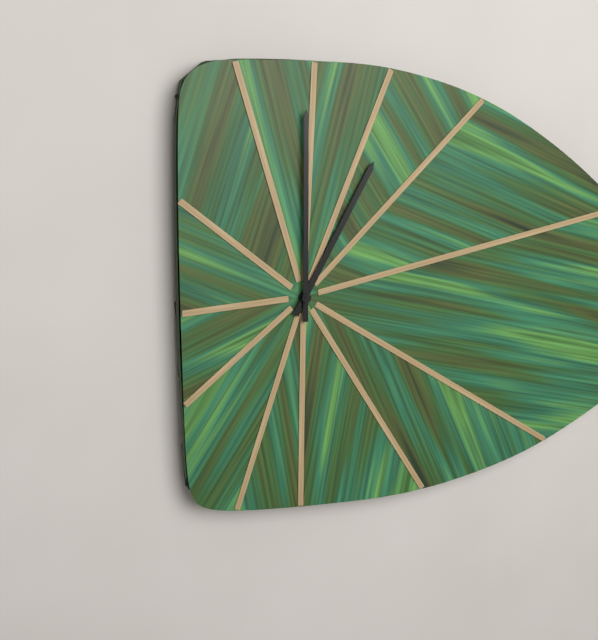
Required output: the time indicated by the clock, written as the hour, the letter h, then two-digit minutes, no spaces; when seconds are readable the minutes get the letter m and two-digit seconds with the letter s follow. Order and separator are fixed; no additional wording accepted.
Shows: 1h00
